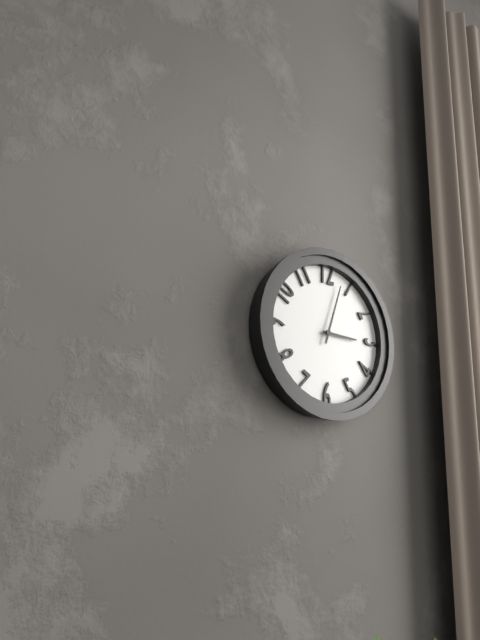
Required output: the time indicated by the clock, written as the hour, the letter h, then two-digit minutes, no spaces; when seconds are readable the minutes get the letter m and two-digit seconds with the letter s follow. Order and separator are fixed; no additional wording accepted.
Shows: 3h03
